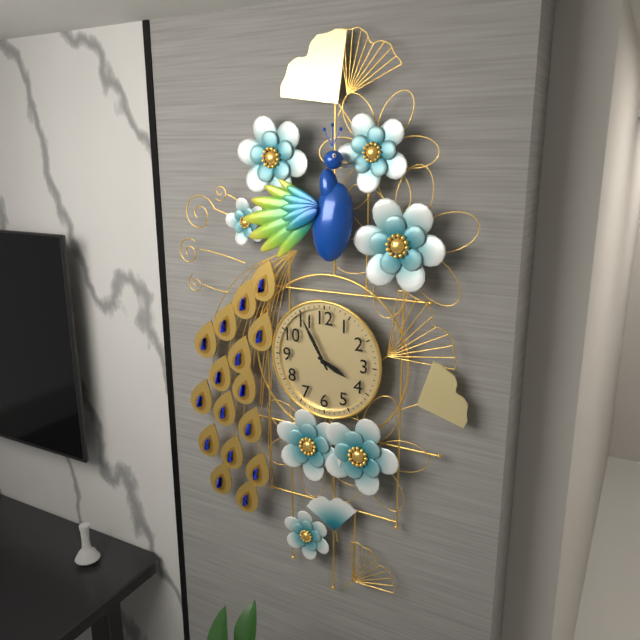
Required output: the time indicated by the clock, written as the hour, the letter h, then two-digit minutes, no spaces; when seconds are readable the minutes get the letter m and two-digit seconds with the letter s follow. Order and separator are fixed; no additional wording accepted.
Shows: 3h55
